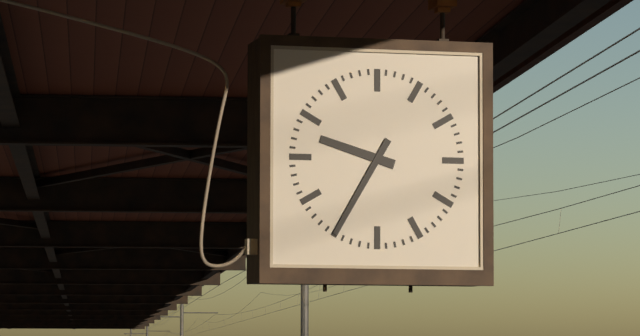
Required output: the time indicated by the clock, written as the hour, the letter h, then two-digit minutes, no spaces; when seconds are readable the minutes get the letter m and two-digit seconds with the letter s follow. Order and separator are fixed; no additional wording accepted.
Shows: 9h35
